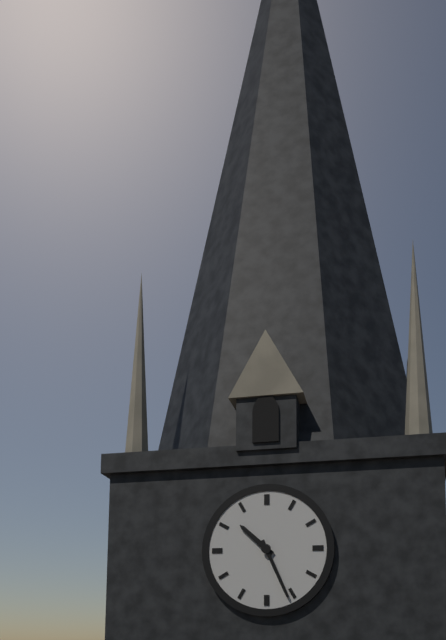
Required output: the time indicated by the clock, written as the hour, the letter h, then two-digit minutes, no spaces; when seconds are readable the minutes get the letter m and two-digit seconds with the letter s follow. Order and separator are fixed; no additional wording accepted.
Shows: 10h26
